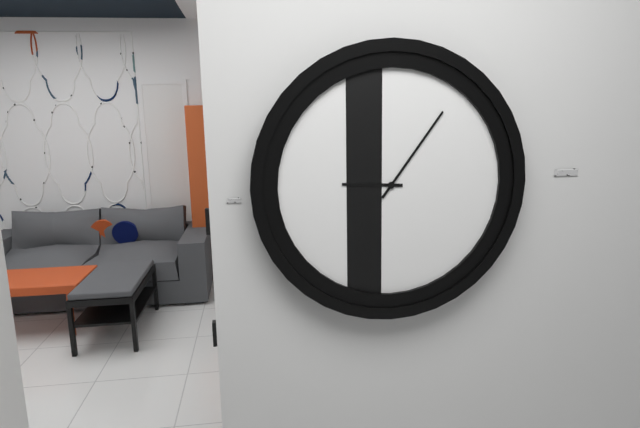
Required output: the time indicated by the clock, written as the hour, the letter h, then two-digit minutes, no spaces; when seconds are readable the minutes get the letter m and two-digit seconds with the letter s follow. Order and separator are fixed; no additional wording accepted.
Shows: 9h06
